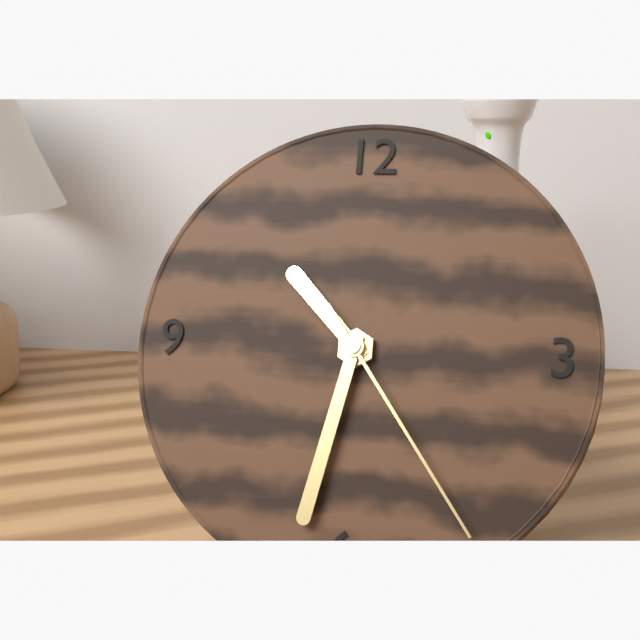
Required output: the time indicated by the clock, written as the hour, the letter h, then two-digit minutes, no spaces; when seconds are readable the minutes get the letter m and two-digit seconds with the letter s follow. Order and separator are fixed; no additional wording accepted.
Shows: 10h32m24s
